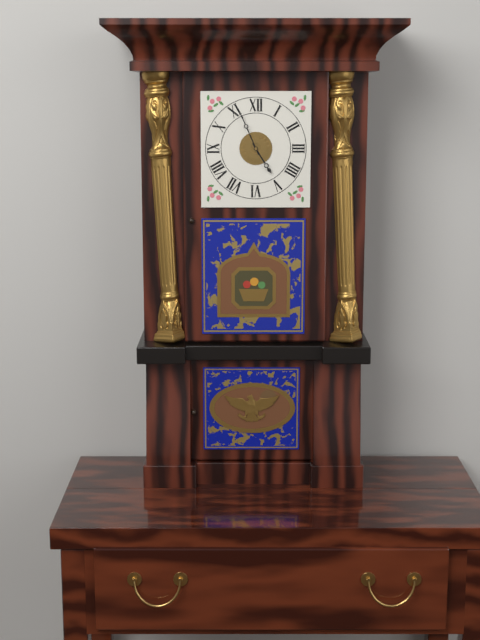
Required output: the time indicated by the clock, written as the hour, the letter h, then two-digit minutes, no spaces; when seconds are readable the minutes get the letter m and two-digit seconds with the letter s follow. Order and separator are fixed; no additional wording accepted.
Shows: 4h56
